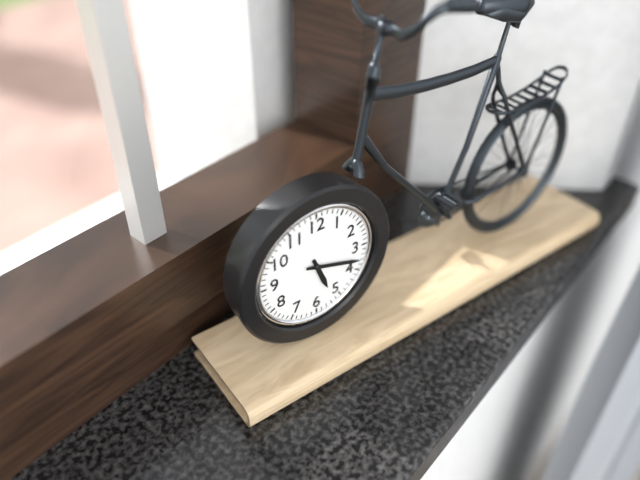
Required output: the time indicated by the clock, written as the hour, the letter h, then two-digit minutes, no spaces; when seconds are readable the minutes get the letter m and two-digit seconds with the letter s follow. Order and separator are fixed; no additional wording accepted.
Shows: 5h18
